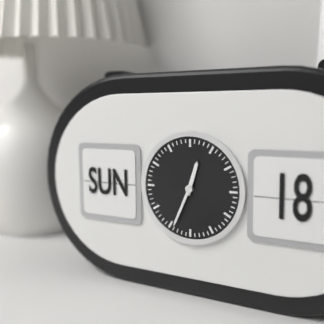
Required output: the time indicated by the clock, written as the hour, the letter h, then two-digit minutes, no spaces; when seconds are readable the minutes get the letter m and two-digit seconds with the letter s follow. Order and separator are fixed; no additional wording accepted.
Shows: 12h34
